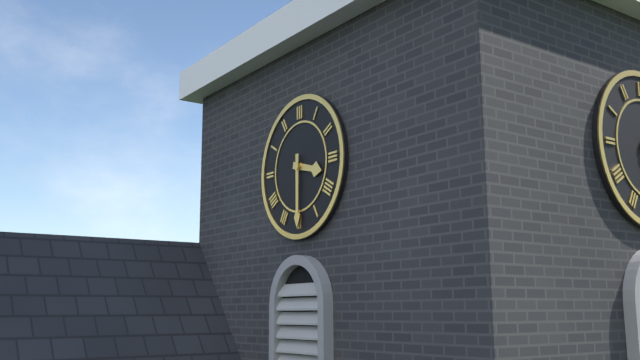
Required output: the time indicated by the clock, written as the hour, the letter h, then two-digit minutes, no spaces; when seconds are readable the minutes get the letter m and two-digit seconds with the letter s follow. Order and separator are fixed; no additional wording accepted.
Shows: 3h30
